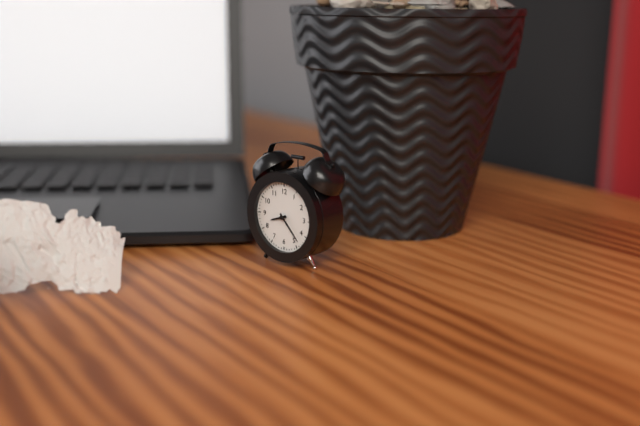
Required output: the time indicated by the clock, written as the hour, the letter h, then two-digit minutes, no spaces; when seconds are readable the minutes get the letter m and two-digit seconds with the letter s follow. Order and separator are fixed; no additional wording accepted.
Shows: 8h23
